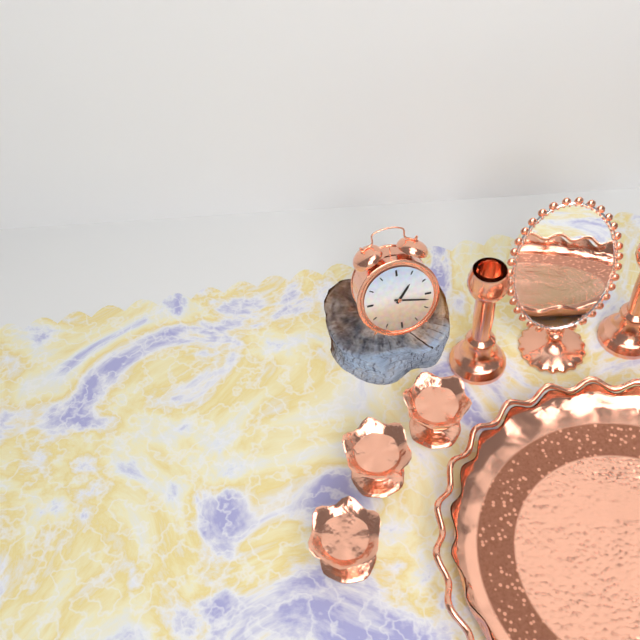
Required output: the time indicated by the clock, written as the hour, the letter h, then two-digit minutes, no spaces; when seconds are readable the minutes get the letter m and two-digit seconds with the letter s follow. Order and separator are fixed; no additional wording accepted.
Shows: 1h17
